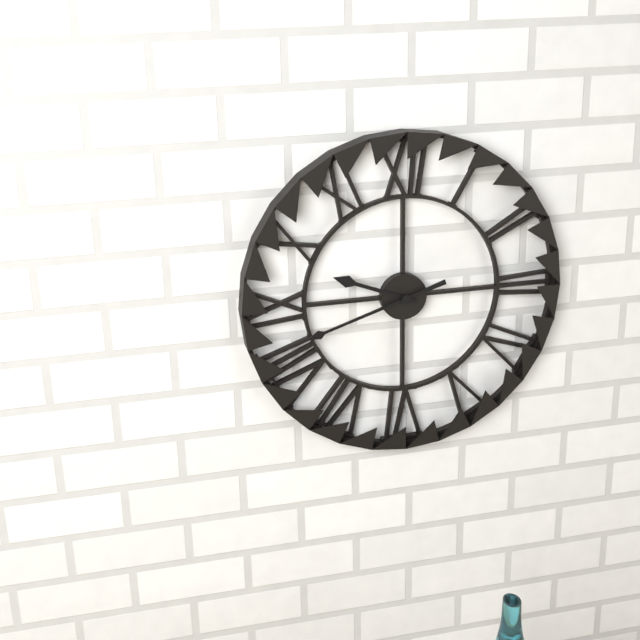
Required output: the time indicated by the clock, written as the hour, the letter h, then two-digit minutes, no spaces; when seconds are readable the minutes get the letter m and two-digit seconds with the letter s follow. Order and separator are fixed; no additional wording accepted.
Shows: 9h42
